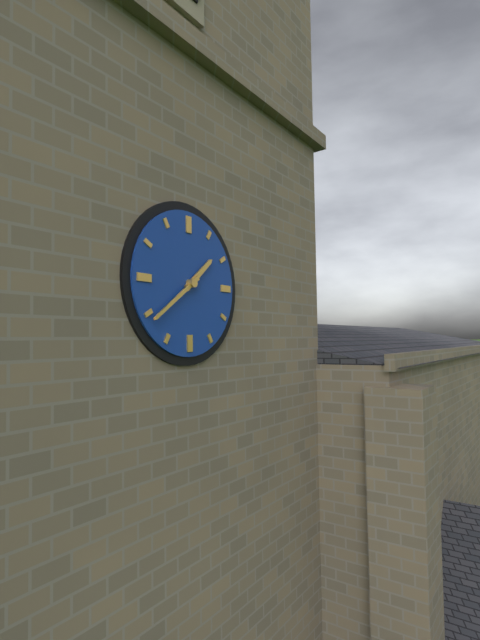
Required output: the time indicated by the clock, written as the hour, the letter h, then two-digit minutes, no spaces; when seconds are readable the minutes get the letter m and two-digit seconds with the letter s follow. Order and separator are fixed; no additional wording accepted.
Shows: 1h39
